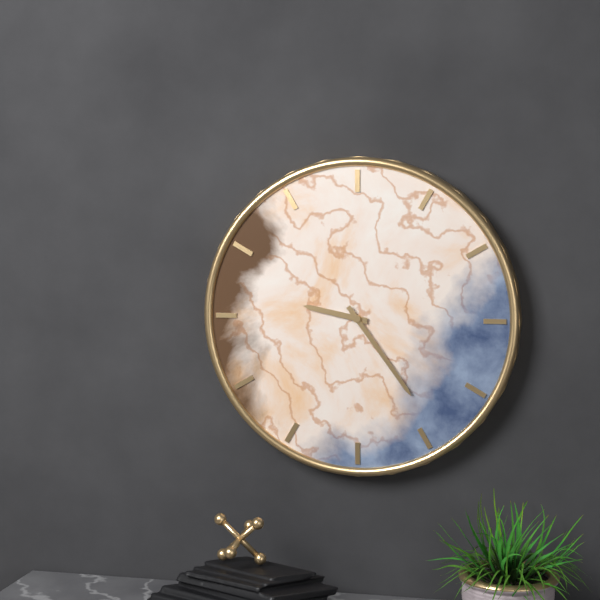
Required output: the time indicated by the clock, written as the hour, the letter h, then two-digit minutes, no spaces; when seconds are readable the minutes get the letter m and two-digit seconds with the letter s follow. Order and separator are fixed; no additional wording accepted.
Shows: 9h24
